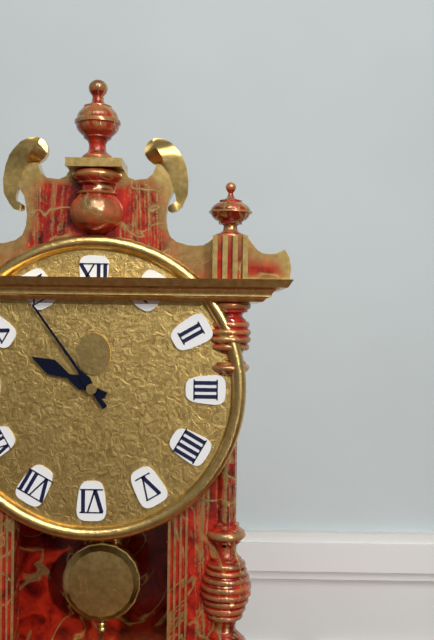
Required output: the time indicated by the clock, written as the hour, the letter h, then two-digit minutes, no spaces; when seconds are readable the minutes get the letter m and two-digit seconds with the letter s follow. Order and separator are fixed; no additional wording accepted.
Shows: 9h54
